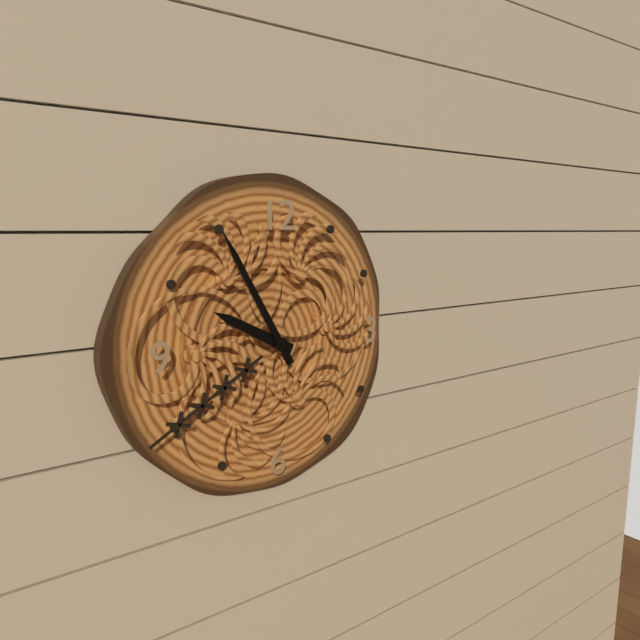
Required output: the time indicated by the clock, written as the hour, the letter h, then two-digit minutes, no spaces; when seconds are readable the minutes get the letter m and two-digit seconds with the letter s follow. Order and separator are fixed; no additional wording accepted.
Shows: 9h55
